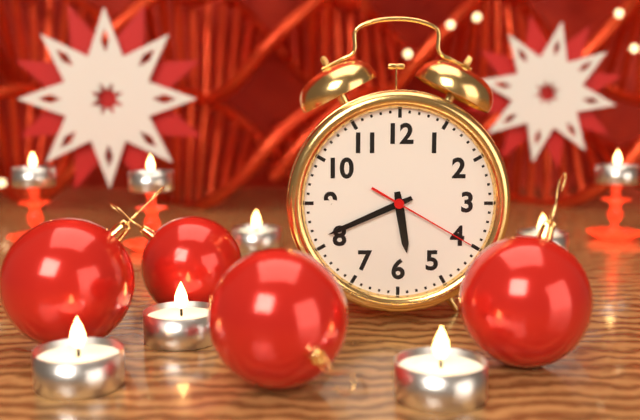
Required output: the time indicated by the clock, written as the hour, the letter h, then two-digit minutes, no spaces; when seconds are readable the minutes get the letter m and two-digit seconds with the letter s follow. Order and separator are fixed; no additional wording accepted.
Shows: 5h41m20s
